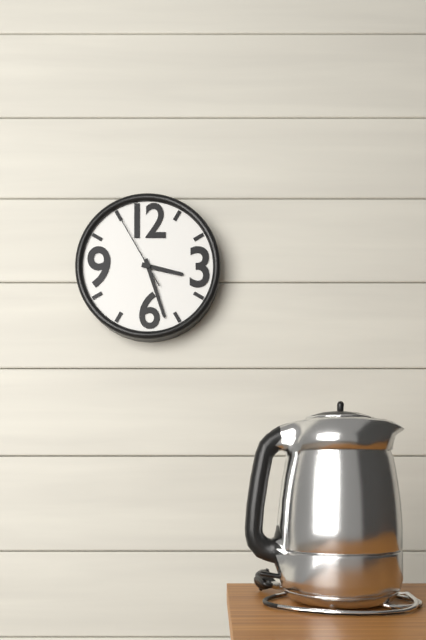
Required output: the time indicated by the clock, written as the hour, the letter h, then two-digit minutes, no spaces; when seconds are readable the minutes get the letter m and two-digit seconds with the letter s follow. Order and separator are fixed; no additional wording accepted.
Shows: 3h27m55s
